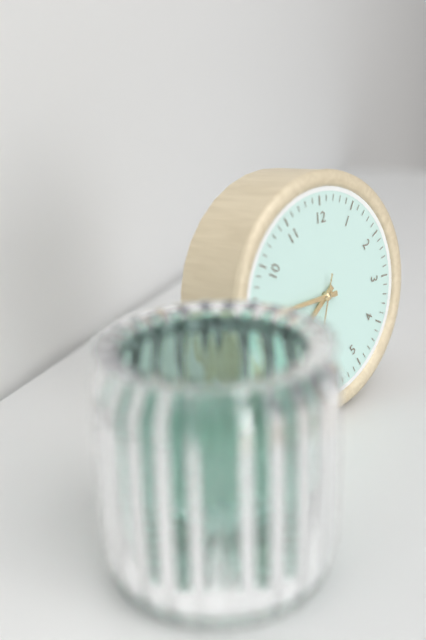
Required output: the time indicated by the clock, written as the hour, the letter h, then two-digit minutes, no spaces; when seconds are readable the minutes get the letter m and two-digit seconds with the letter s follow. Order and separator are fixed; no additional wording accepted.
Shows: 7h45m33s
